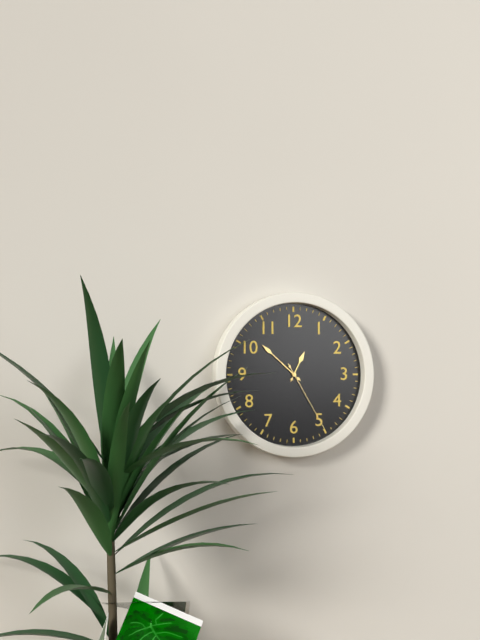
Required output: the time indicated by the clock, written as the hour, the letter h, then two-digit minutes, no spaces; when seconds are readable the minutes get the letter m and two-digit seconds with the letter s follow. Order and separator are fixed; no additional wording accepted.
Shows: 12h52m25s
